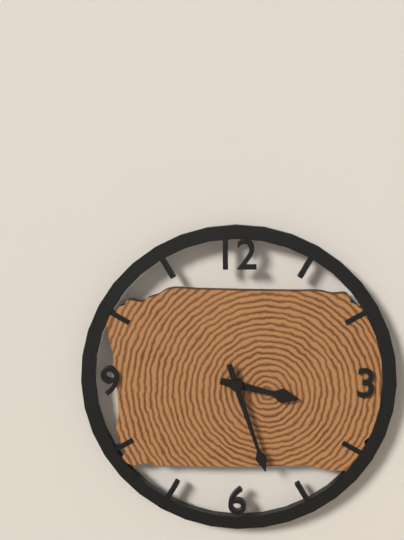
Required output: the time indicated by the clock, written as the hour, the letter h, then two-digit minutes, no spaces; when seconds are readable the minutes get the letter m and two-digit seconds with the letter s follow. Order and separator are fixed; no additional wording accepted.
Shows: 3h27
